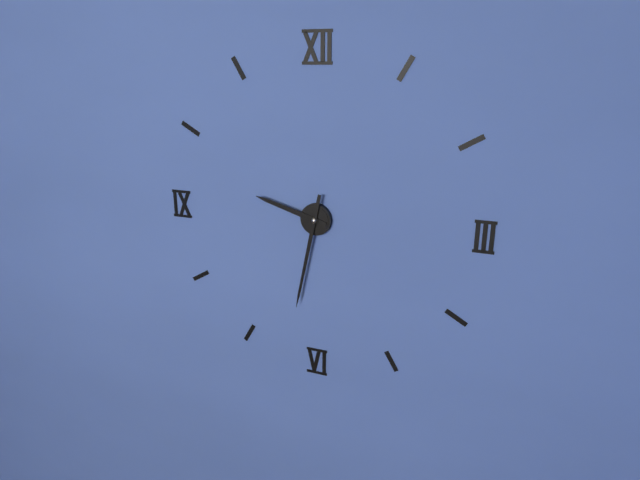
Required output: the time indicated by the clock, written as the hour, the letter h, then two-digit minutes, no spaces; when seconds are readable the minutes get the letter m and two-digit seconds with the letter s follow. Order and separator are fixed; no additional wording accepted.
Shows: 9h32
